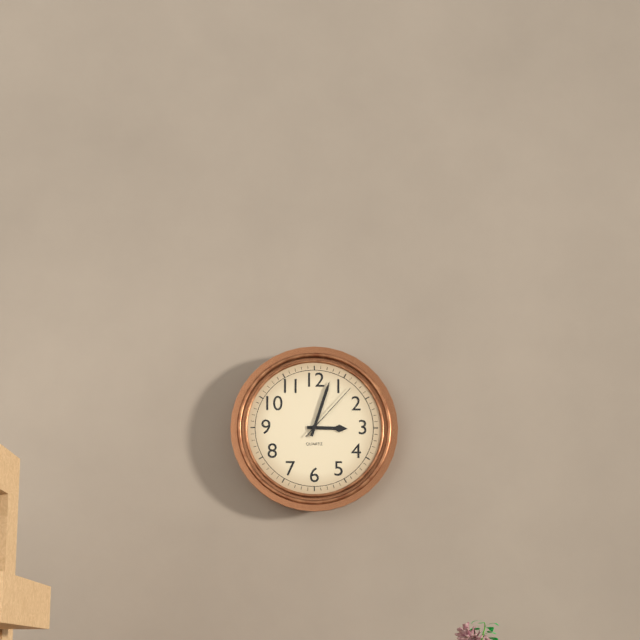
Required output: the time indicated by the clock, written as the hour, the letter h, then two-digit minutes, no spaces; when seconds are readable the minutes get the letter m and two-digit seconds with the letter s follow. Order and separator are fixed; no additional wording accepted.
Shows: 3h03m07s
